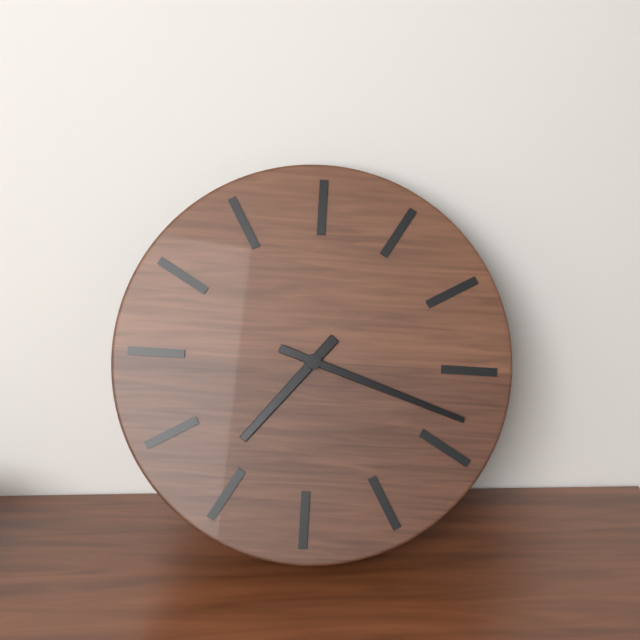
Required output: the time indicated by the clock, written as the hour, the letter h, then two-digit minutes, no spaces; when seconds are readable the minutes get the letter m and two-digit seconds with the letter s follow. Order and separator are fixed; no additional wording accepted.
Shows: 7h18
